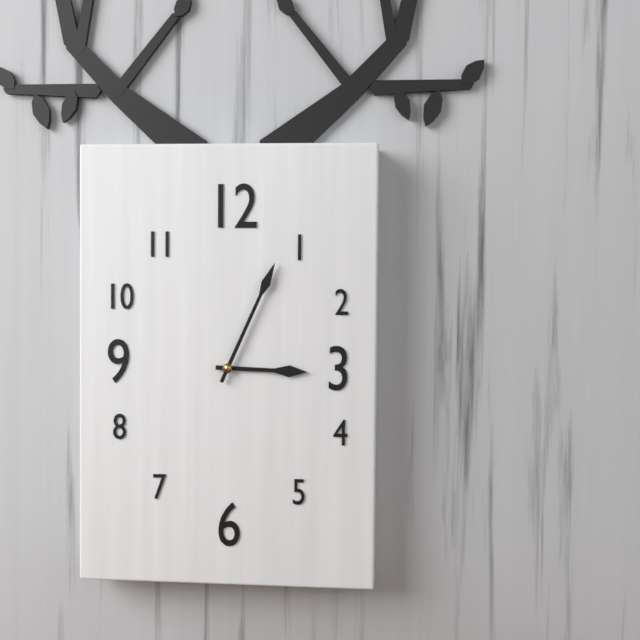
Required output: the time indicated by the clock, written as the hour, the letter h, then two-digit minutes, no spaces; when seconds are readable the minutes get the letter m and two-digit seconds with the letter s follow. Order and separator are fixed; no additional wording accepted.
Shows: 3h04
